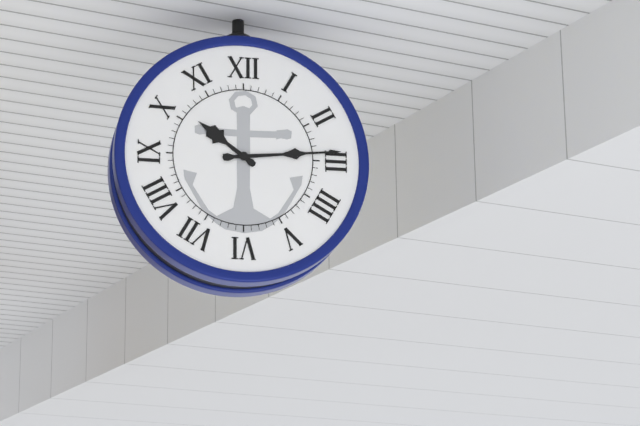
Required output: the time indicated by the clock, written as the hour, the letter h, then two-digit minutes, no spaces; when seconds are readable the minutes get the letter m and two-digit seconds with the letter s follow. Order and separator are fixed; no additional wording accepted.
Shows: 10h14
